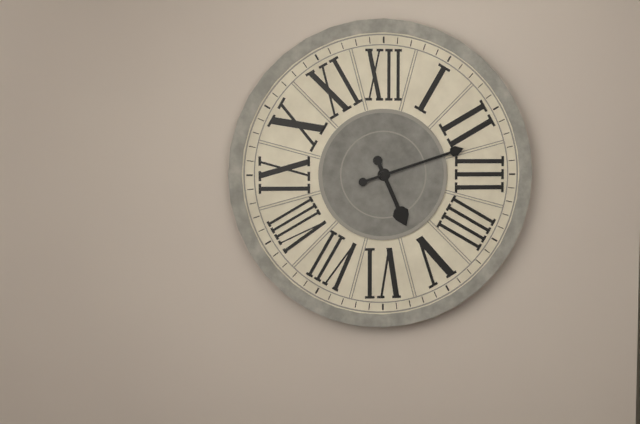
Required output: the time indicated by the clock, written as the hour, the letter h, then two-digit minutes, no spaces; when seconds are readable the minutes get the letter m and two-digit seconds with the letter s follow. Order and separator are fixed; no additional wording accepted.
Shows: 5h12
